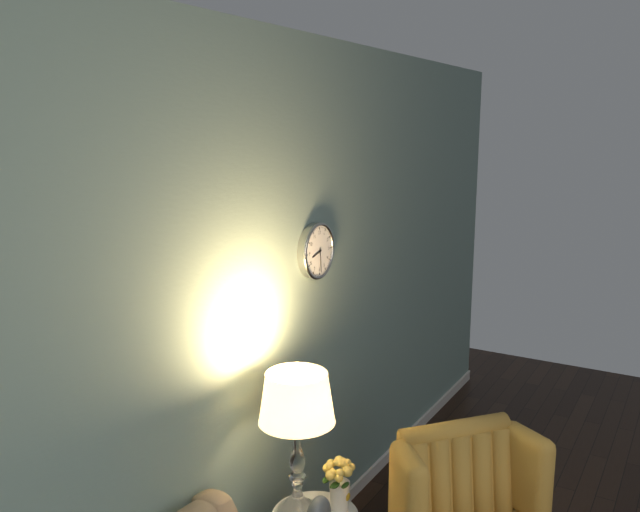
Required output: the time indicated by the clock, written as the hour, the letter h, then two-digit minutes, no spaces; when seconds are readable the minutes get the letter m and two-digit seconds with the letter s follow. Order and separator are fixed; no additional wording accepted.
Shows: 8h29
